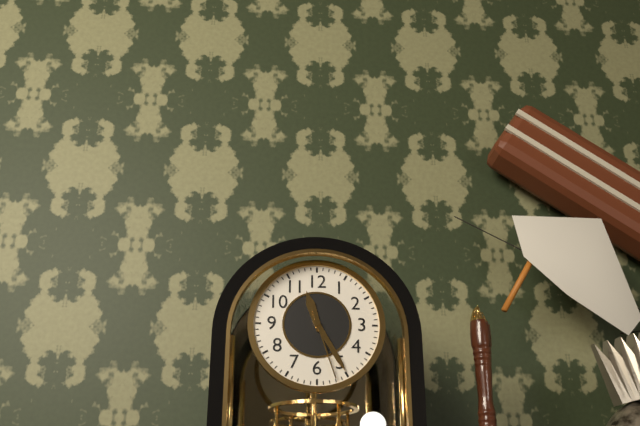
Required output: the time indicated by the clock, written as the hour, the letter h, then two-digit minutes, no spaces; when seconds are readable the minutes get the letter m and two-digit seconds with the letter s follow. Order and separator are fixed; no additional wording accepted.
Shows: 11h25m27s
